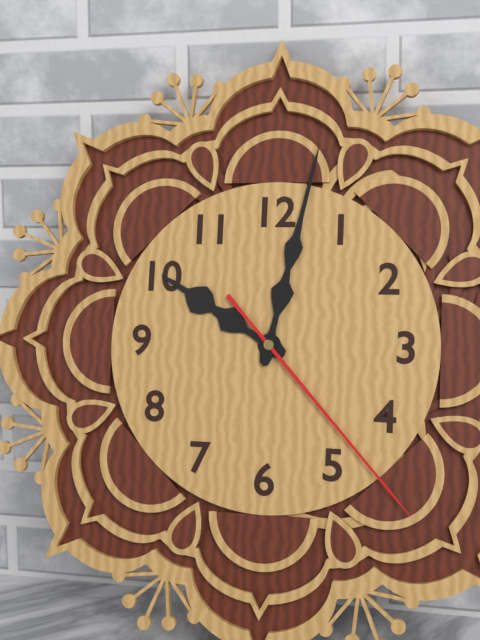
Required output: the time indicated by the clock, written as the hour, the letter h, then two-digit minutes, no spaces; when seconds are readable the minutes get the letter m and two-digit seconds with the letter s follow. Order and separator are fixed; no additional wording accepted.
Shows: 10h02m23s
